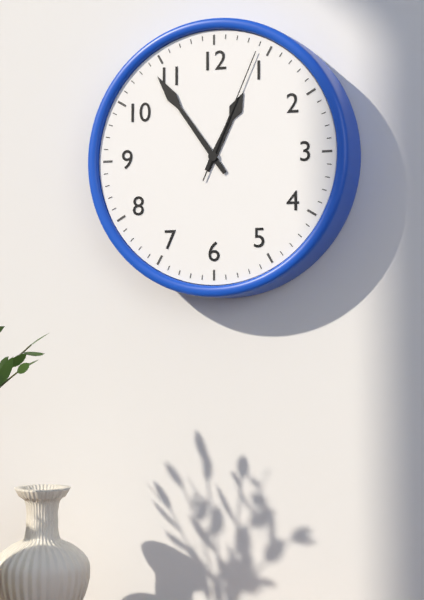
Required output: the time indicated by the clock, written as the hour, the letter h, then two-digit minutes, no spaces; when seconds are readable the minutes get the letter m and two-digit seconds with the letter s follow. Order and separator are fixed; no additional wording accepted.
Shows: 12h54m04s
